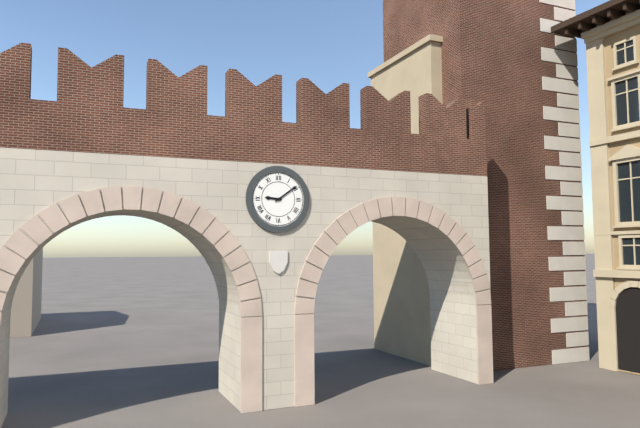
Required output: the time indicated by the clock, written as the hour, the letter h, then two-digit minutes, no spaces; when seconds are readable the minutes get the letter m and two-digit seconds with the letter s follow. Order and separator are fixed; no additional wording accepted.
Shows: 9h09
